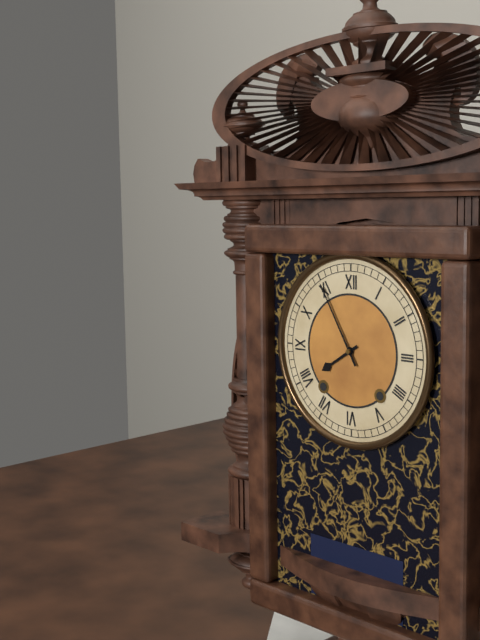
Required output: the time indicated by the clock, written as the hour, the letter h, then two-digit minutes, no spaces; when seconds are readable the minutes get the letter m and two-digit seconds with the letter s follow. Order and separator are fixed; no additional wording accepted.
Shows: 7h55
